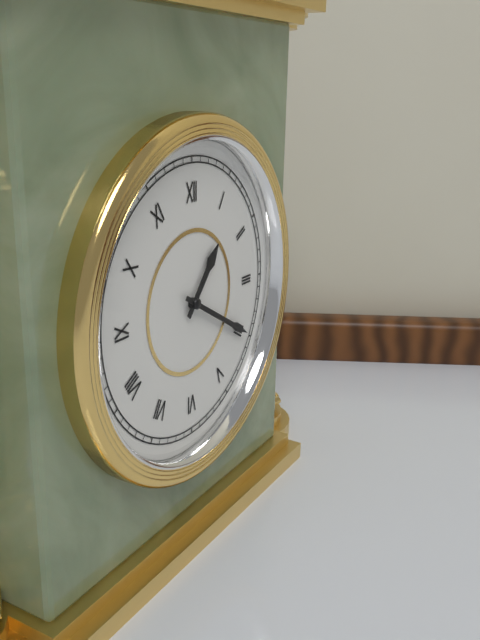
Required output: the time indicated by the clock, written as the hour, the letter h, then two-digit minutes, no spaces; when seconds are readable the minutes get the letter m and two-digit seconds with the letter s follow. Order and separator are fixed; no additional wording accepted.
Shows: 1h20
